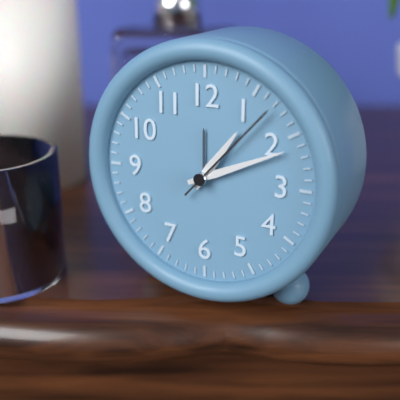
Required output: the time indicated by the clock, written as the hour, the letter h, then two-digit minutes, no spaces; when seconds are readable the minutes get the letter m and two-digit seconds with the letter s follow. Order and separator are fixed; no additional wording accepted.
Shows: 1h11m07s
